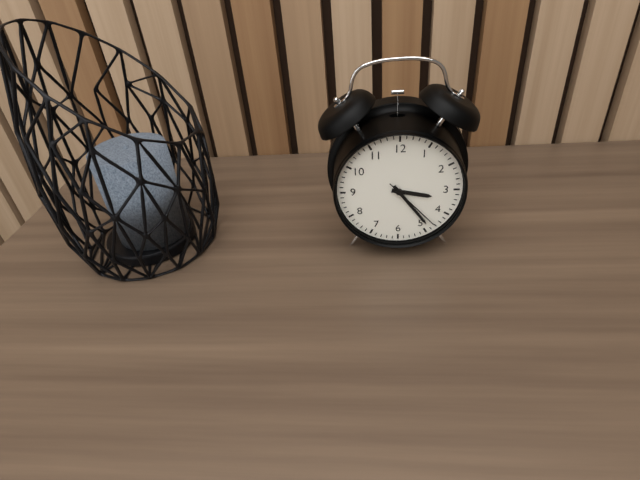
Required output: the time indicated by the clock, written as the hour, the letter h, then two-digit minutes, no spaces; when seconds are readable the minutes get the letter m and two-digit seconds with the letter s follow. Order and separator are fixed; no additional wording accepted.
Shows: 3h24m23s
